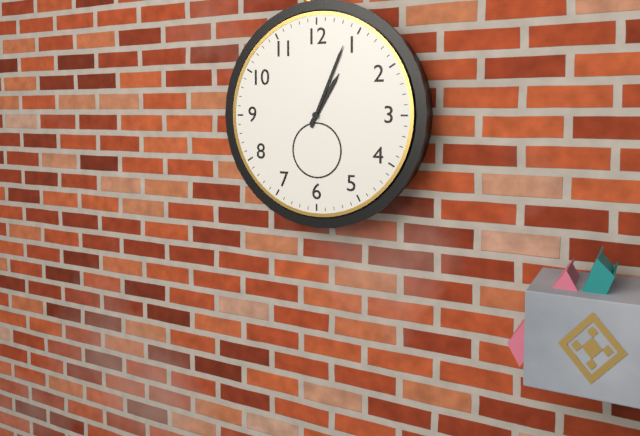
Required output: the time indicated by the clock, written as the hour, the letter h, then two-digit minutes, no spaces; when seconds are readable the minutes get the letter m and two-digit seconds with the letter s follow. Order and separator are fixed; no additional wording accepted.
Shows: 1h04
